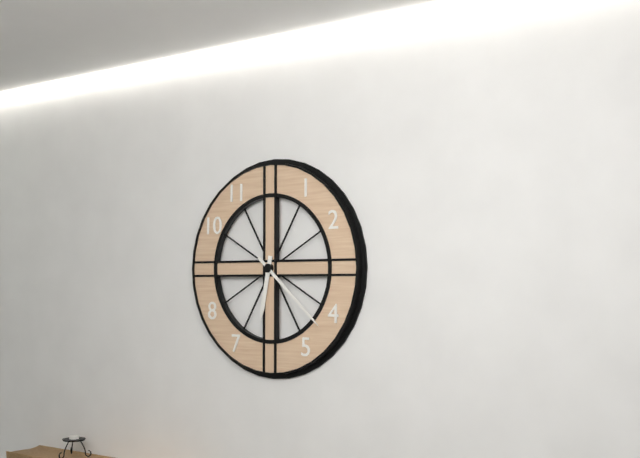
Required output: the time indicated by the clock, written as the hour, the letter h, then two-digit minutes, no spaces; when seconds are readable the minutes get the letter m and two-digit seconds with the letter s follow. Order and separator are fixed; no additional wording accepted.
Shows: 6h22
